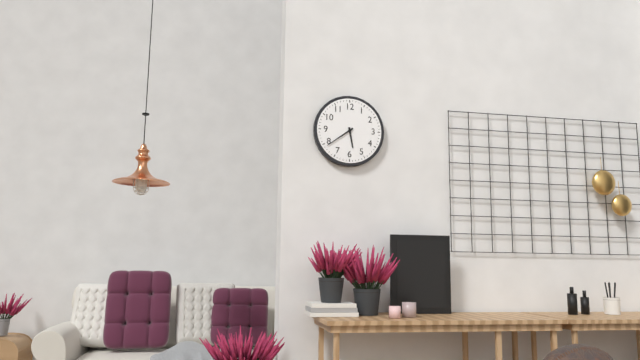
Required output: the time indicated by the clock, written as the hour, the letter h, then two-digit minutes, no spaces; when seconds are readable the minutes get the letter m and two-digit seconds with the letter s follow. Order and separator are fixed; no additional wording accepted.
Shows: 5h39
